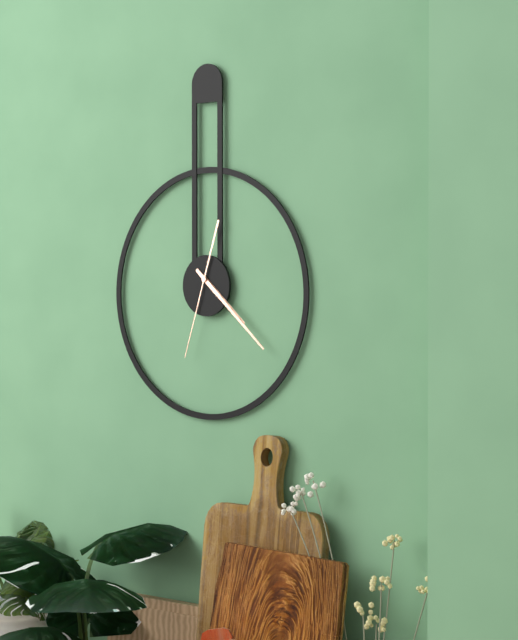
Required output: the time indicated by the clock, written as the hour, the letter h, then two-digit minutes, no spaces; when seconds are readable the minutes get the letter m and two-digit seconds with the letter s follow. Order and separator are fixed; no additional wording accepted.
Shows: 4h22m33s
